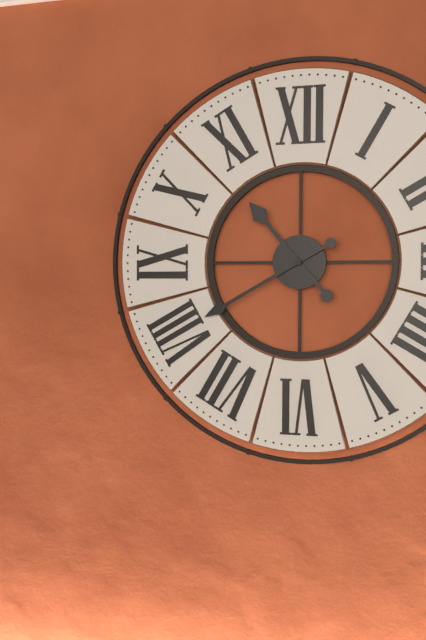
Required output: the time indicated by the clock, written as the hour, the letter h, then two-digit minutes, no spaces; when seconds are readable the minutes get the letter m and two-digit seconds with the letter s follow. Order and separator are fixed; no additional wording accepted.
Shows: 10h40
